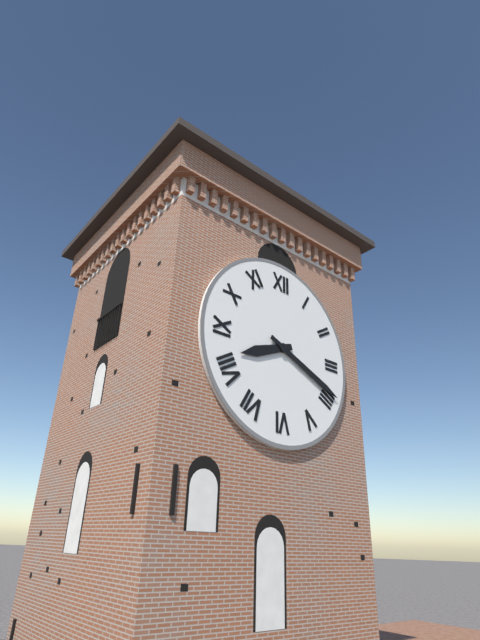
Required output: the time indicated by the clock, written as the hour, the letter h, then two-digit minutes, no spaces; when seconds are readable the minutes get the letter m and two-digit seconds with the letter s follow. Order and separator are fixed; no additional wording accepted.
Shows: 8h19
